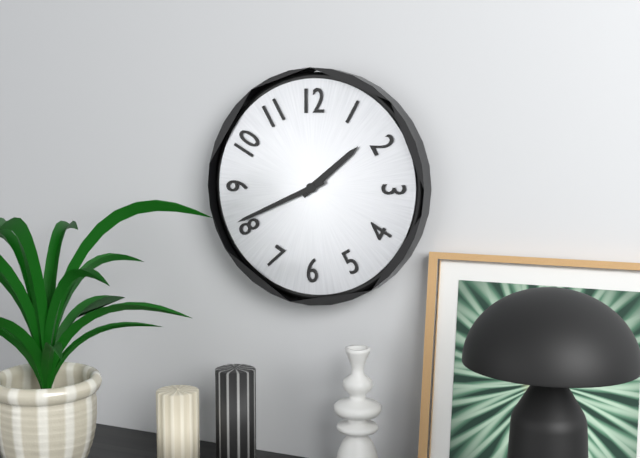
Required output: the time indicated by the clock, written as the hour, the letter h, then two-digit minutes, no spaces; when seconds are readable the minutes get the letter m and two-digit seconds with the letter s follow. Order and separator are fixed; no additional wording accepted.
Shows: 1h41
